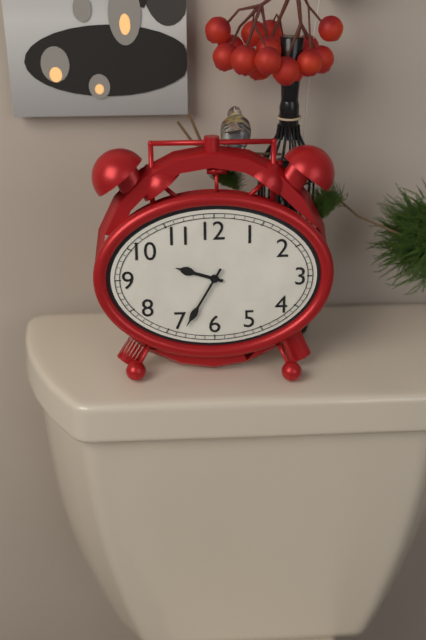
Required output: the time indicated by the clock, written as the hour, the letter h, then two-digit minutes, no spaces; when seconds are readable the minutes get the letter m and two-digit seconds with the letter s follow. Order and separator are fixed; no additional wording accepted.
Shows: 9h35
